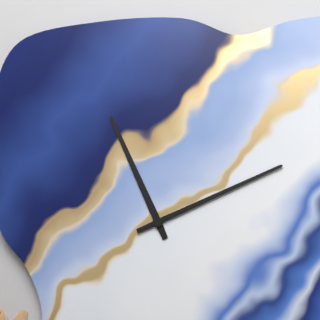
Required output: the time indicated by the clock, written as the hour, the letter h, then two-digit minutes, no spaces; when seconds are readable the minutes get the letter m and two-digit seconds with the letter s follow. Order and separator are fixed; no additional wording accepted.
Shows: 11h11
